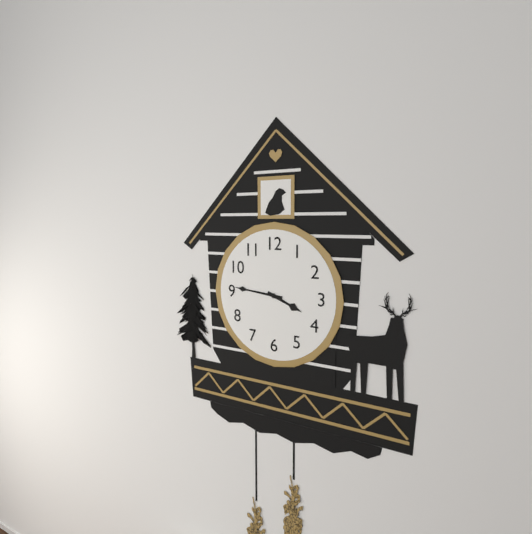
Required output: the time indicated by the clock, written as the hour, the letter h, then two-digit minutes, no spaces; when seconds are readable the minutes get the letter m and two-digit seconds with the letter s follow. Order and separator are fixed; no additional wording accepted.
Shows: 3h46
